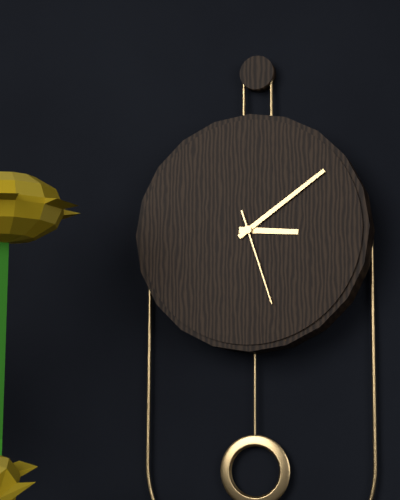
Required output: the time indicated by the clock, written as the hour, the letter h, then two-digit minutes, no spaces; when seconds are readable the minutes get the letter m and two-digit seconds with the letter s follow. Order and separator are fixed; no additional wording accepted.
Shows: 3h09m27s
